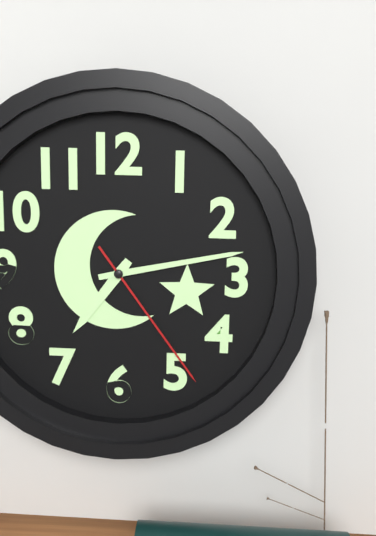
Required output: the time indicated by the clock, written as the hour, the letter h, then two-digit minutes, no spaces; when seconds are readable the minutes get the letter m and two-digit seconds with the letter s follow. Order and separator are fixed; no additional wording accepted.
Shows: 7h13m24s
